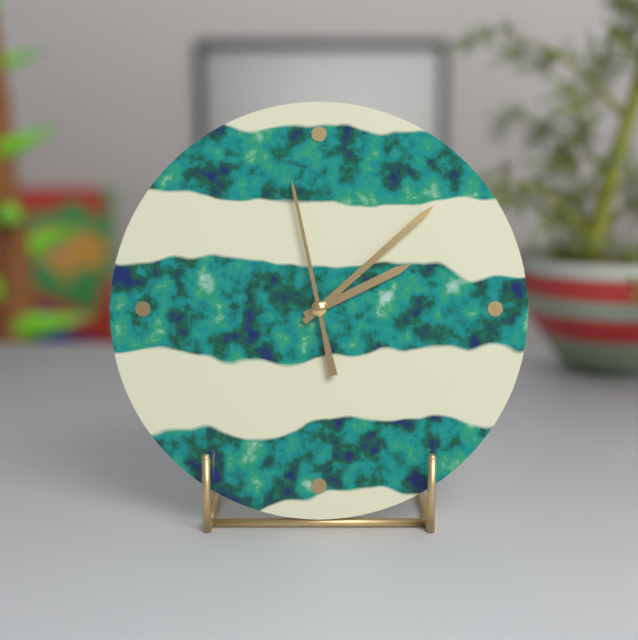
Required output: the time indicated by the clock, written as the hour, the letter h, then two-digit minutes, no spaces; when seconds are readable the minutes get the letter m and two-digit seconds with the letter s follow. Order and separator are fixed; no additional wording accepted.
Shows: 2h08m58s
